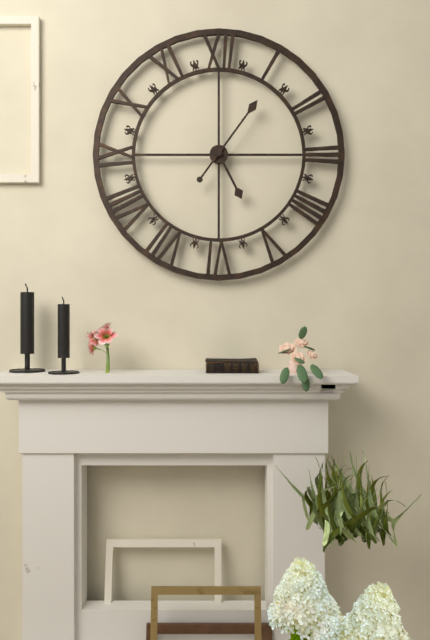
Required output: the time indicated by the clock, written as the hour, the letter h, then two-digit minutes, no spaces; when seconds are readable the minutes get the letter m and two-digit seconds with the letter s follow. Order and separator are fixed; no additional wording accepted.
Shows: 5h06
